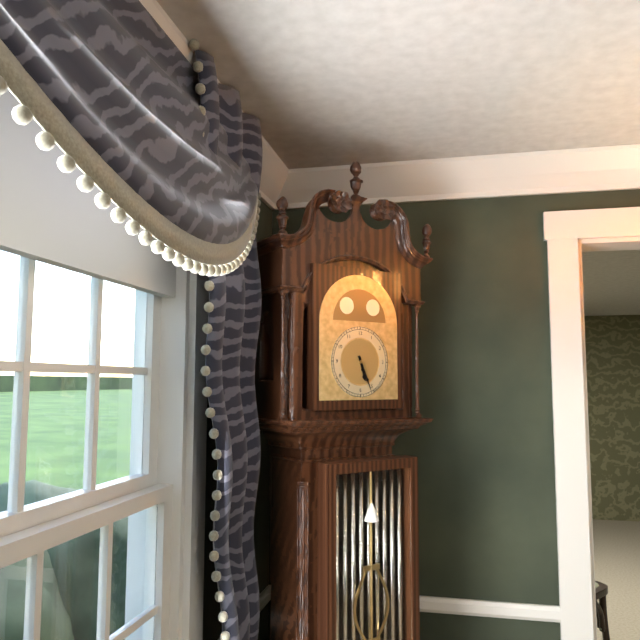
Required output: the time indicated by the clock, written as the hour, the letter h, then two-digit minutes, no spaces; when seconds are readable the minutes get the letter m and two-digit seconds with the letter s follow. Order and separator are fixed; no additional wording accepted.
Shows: 5h26
